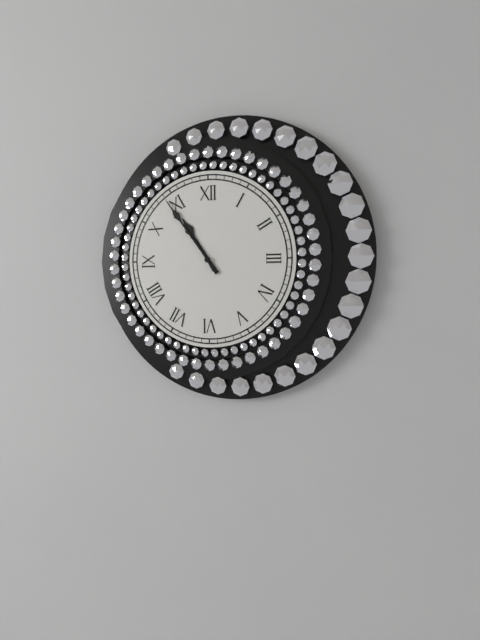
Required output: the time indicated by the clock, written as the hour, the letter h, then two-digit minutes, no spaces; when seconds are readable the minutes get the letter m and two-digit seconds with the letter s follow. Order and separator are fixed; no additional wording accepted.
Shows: 10h54
